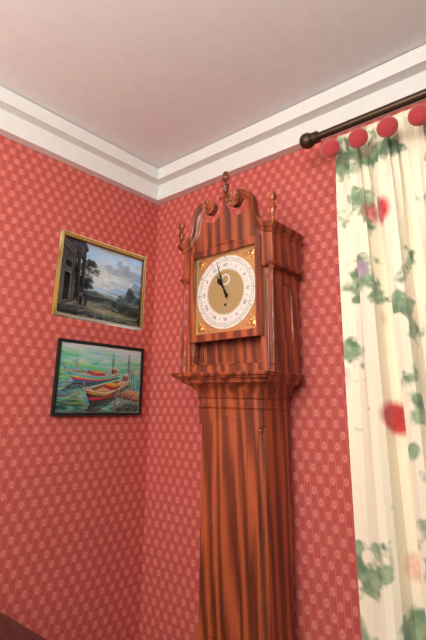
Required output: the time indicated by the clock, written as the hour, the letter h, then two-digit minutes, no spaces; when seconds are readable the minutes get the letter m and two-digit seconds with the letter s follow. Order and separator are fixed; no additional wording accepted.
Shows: 10h57
